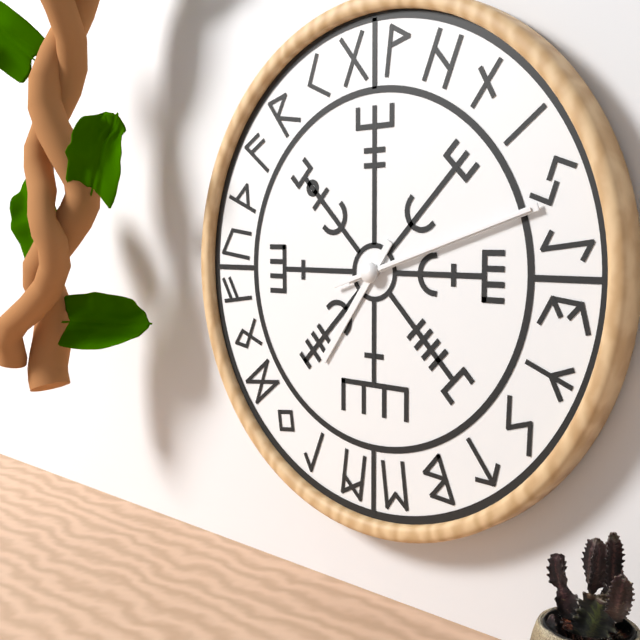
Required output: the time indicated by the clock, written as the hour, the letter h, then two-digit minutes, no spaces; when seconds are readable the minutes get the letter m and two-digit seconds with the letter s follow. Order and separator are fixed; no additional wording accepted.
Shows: 7h12m12s
